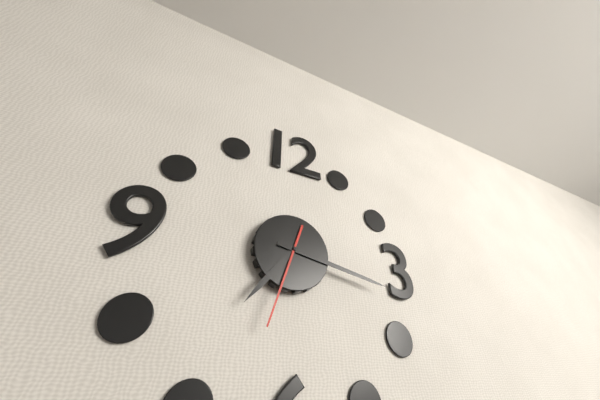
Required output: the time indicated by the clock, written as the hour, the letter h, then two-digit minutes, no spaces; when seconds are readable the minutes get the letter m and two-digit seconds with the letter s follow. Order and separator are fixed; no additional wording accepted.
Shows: 7h17m33s
